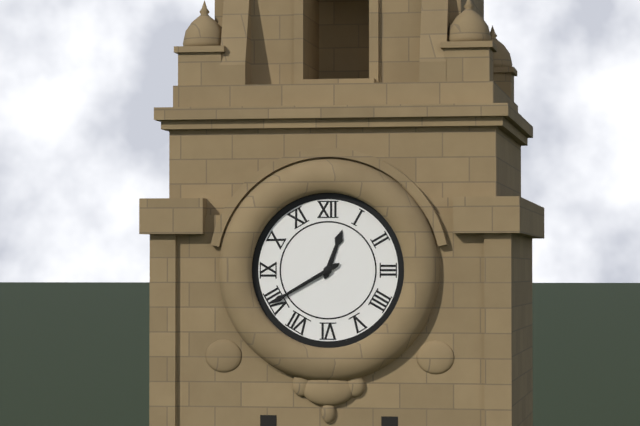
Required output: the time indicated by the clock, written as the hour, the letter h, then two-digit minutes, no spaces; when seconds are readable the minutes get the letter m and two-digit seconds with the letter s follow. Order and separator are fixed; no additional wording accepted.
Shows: 12h40
